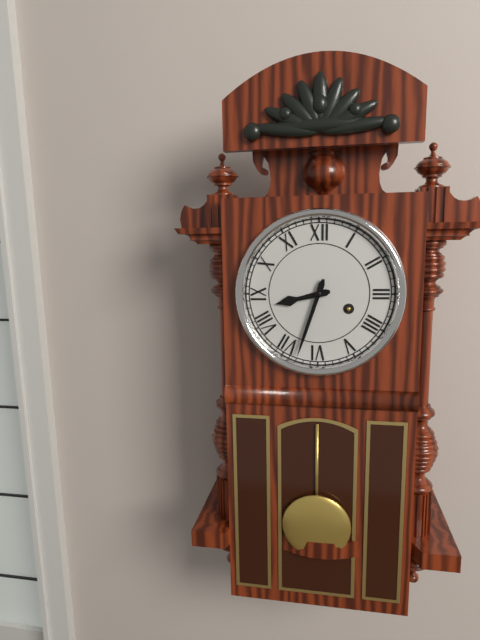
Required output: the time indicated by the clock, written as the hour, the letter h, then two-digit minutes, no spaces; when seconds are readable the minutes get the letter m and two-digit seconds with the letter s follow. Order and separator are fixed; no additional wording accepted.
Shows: 8h33
